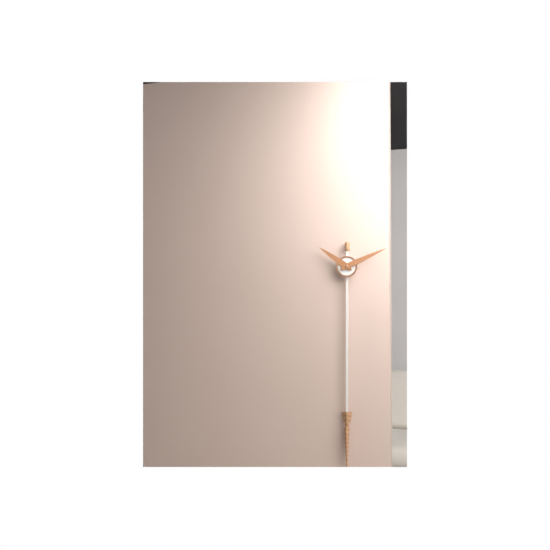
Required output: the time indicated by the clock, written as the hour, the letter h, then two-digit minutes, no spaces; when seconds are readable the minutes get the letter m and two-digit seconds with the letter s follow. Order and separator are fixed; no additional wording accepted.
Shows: 10h11
